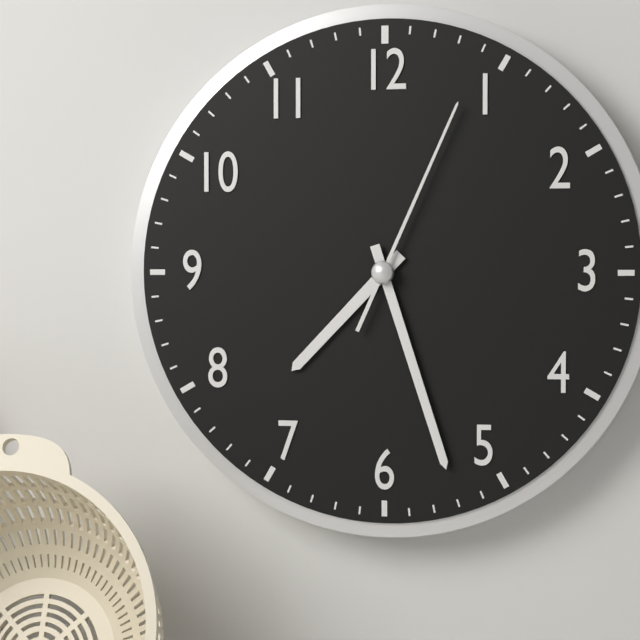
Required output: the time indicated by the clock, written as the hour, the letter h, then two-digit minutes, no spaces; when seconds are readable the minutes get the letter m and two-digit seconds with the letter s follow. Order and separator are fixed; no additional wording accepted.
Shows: 7h27m04s
